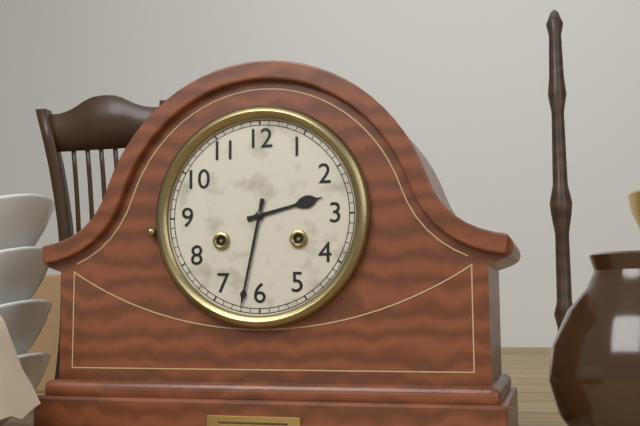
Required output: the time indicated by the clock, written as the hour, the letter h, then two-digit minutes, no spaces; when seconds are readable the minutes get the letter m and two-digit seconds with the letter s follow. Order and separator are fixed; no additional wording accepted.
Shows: 2h32
